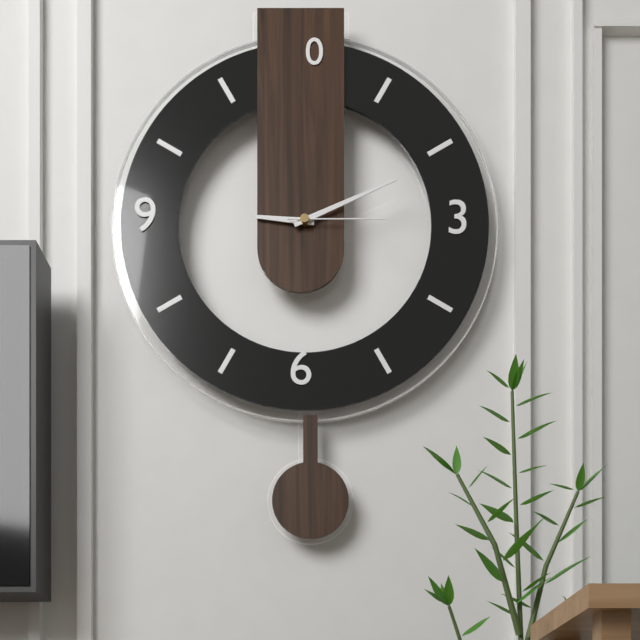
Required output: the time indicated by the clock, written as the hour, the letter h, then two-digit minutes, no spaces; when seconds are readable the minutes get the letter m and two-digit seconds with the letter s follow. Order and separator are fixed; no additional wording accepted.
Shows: 9h11m15s
